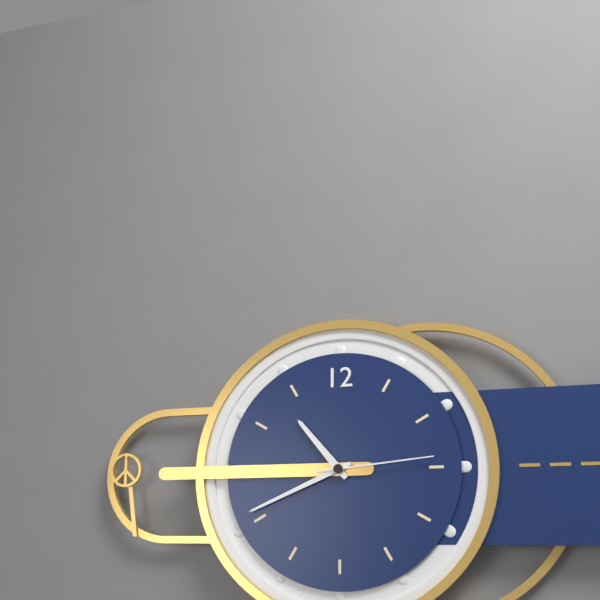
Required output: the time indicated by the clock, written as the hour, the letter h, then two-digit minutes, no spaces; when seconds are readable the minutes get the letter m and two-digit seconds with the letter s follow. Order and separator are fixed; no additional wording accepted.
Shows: 10h41m14s
